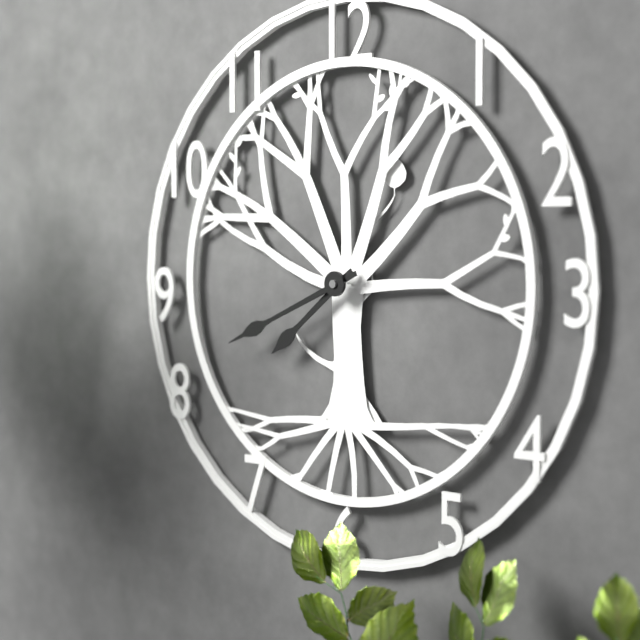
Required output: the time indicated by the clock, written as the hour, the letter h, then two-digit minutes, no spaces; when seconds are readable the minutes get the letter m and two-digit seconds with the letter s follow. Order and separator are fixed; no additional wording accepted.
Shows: 7h41
